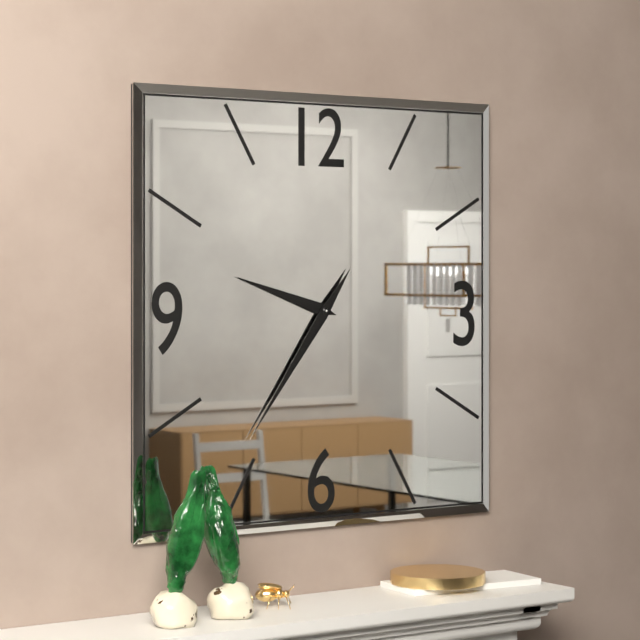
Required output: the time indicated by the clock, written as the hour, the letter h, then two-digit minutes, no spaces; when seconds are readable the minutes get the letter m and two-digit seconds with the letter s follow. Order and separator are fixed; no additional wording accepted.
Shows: 9h36
